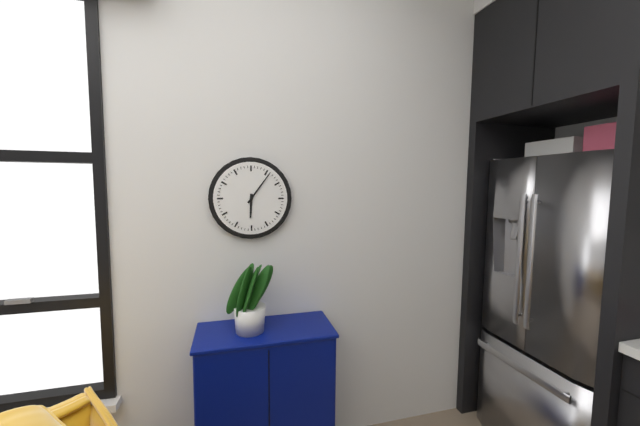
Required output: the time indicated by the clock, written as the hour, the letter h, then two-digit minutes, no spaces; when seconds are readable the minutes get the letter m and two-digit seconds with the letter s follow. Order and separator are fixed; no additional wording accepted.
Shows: 6h06
